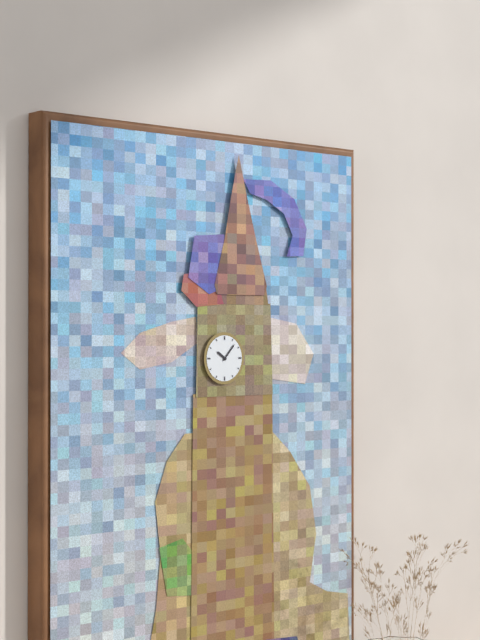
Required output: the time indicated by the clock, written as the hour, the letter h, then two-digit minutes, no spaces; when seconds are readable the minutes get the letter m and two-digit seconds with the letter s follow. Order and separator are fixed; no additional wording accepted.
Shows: 10h07
